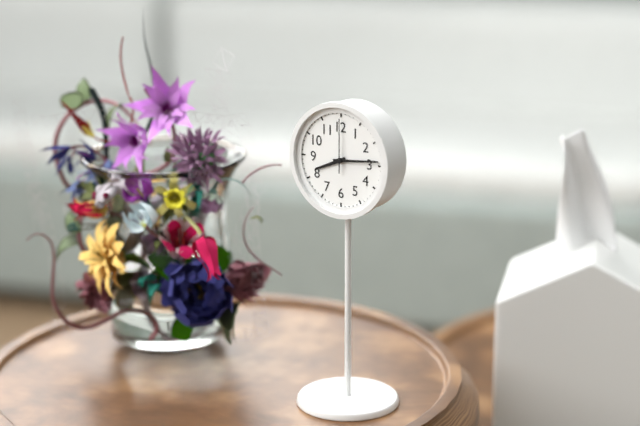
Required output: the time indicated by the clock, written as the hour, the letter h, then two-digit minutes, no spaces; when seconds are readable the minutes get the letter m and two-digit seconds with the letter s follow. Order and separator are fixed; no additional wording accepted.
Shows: 8h14m00s
